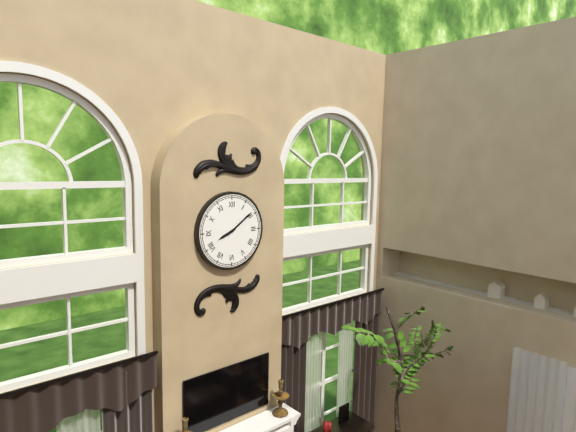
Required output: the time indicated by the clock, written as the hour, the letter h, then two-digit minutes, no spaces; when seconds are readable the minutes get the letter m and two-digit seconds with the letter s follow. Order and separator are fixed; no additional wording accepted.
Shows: 8h09
